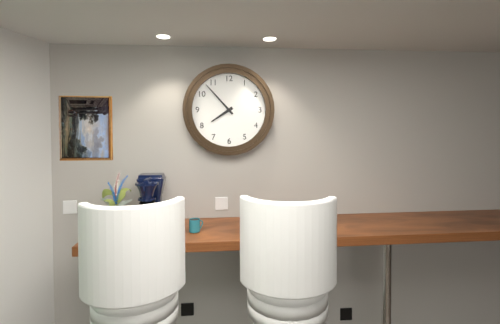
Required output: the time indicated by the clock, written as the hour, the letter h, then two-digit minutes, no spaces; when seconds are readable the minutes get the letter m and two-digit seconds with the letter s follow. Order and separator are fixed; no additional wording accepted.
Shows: 7h53
